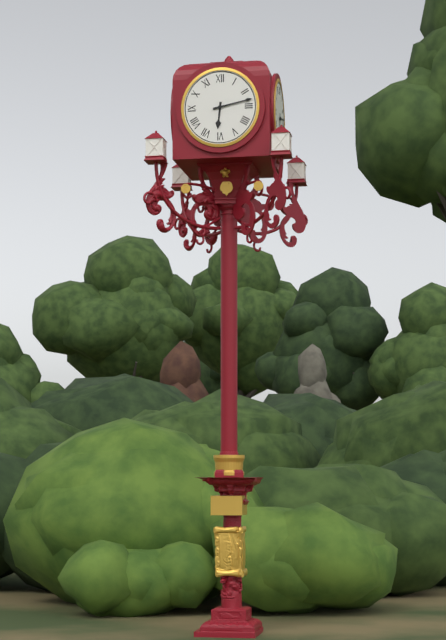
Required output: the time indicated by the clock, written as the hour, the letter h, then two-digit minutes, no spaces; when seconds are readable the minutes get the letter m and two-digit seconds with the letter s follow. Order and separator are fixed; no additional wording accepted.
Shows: 6h13
